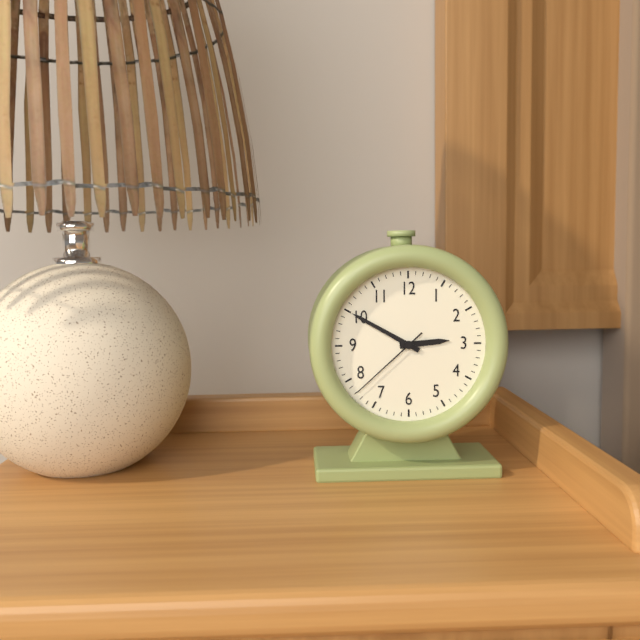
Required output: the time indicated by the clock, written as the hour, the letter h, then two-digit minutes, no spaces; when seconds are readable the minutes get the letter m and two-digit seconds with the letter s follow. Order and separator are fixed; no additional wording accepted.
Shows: 2h50m38s
